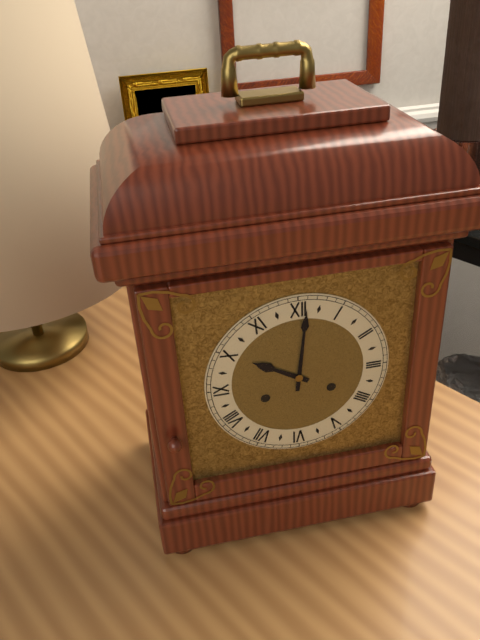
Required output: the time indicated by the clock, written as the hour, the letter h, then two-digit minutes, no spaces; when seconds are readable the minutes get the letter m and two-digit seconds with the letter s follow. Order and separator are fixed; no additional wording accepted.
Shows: 10h01
